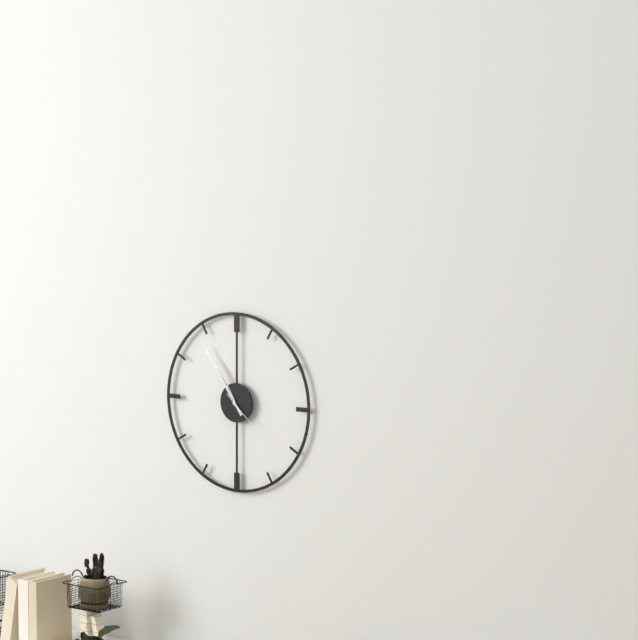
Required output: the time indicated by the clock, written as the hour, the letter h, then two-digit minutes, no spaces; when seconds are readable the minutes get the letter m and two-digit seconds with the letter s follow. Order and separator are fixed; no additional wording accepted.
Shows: 10h54m22s
